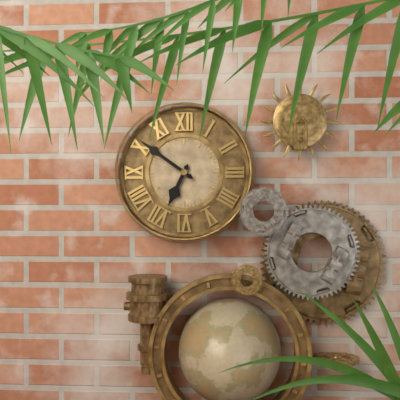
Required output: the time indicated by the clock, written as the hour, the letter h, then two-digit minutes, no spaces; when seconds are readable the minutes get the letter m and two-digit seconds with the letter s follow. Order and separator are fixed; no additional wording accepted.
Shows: 6h51
